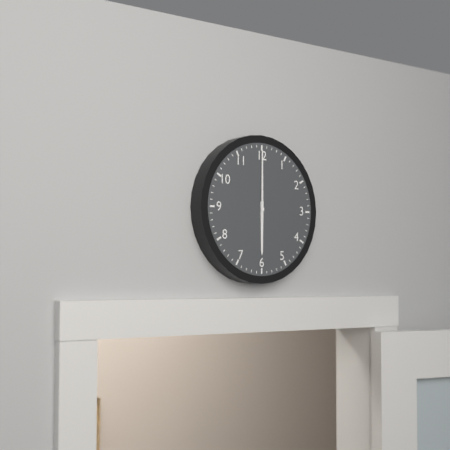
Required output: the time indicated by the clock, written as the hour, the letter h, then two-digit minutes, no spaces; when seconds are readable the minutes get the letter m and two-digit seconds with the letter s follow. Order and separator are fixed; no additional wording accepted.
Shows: 6h00
